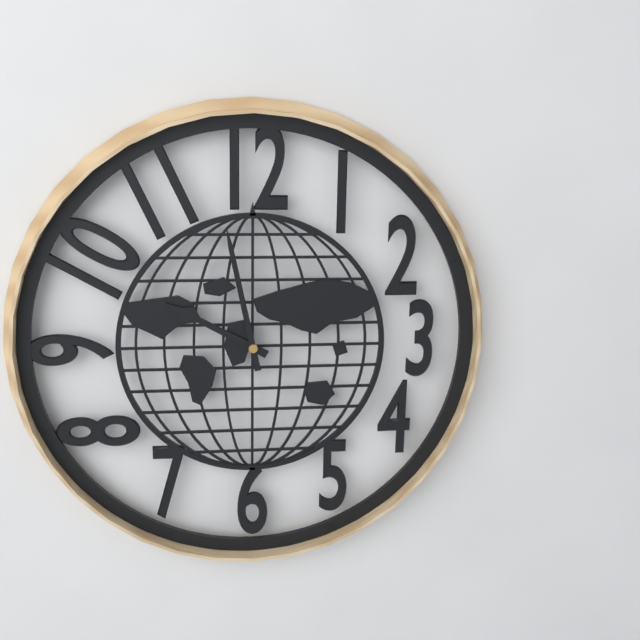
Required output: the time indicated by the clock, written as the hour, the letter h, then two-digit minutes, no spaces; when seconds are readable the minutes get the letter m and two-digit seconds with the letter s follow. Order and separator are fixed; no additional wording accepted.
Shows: 9h58
